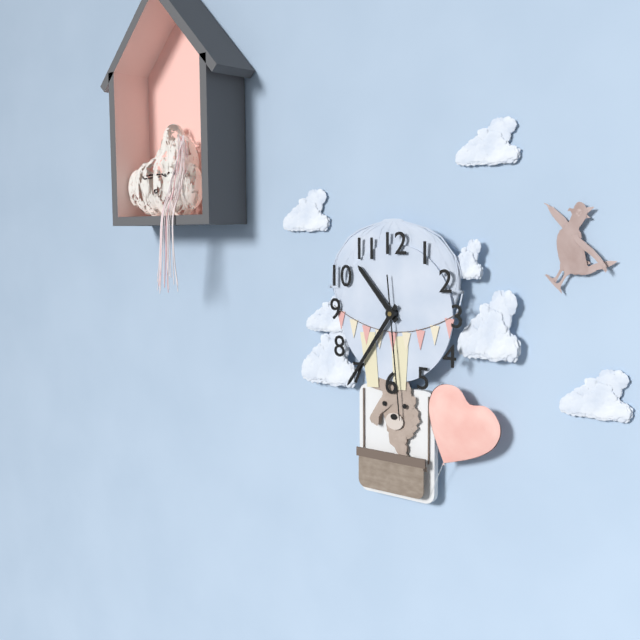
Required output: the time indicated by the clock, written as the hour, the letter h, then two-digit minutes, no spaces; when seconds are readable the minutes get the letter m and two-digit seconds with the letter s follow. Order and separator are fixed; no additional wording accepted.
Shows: 10h36m29s
